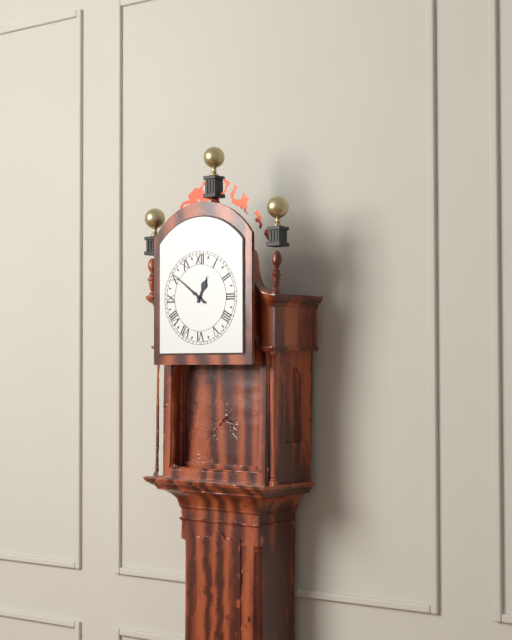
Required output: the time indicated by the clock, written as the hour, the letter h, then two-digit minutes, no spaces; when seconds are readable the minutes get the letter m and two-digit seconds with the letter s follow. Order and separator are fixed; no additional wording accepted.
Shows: 12h51
